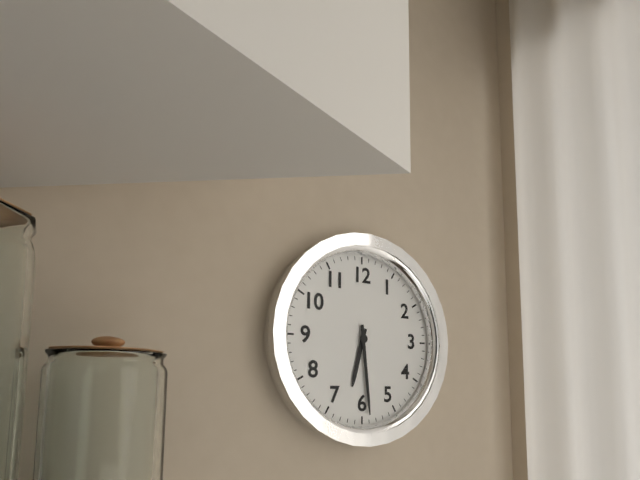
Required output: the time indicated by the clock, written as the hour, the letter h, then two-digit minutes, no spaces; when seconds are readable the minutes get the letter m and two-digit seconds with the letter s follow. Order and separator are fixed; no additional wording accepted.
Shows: 6h29
